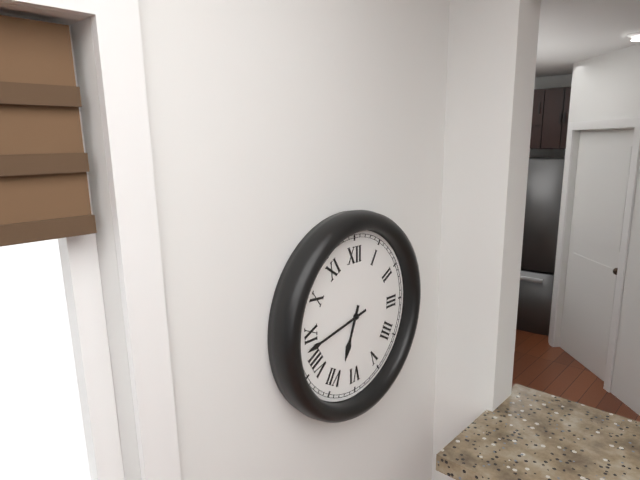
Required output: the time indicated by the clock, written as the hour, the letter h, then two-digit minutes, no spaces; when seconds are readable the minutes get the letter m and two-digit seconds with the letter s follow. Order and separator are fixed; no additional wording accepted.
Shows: 6h43
